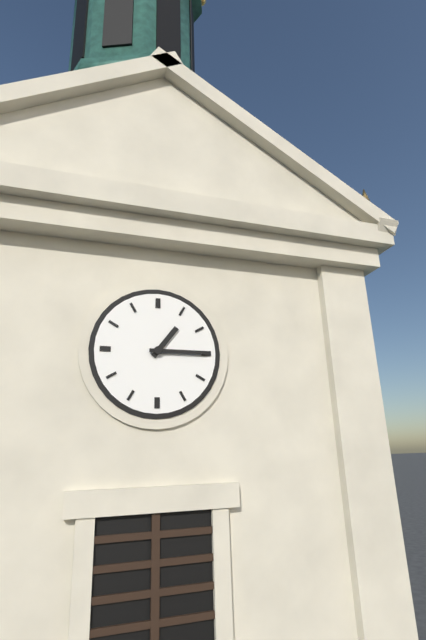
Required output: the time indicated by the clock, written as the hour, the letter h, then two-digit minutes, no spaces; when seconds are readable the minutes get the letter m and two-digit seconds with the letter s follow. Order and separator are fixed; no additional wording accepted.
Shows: 1h15
